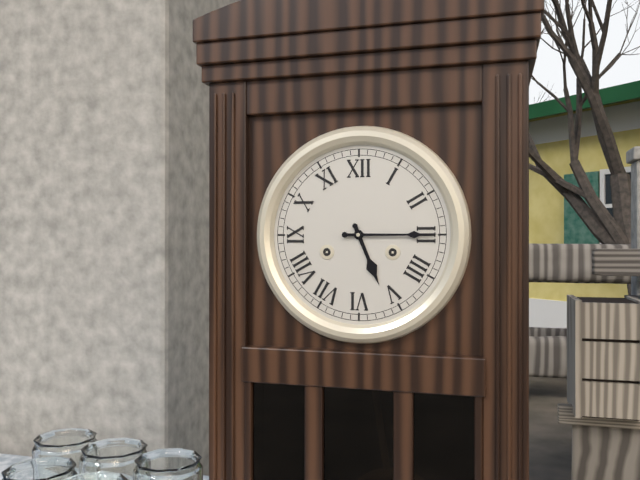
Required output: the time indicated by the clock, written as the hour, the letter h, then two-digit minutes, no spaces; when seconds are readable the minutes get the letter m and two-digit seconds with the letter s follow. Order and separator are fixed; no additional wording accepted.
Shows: 5h15
